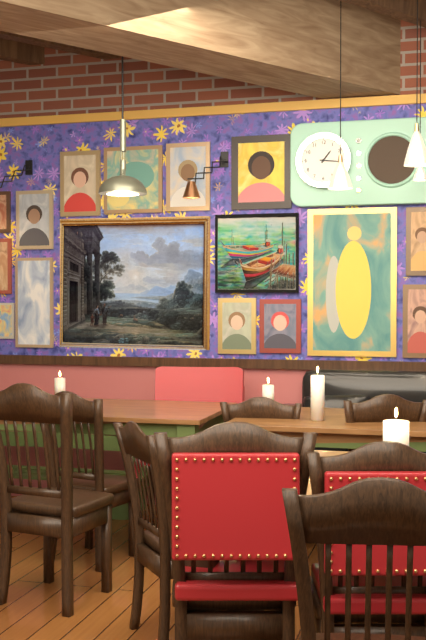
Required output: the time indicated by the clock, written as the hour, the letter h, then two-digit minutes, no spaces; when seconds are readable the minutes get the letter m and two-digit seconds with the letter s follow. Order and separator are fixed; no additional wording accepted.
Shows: 1h16
